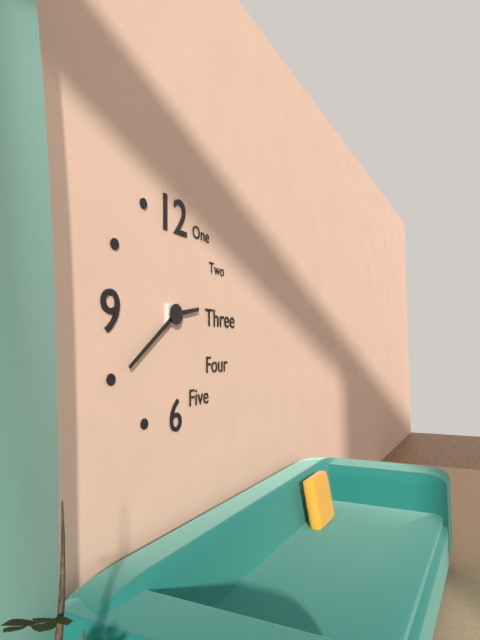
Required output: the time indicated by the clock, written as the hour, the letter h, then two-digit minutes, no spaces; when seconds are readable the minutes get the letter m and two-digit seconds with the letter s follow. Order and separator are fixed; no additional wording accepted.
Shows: 2h39
